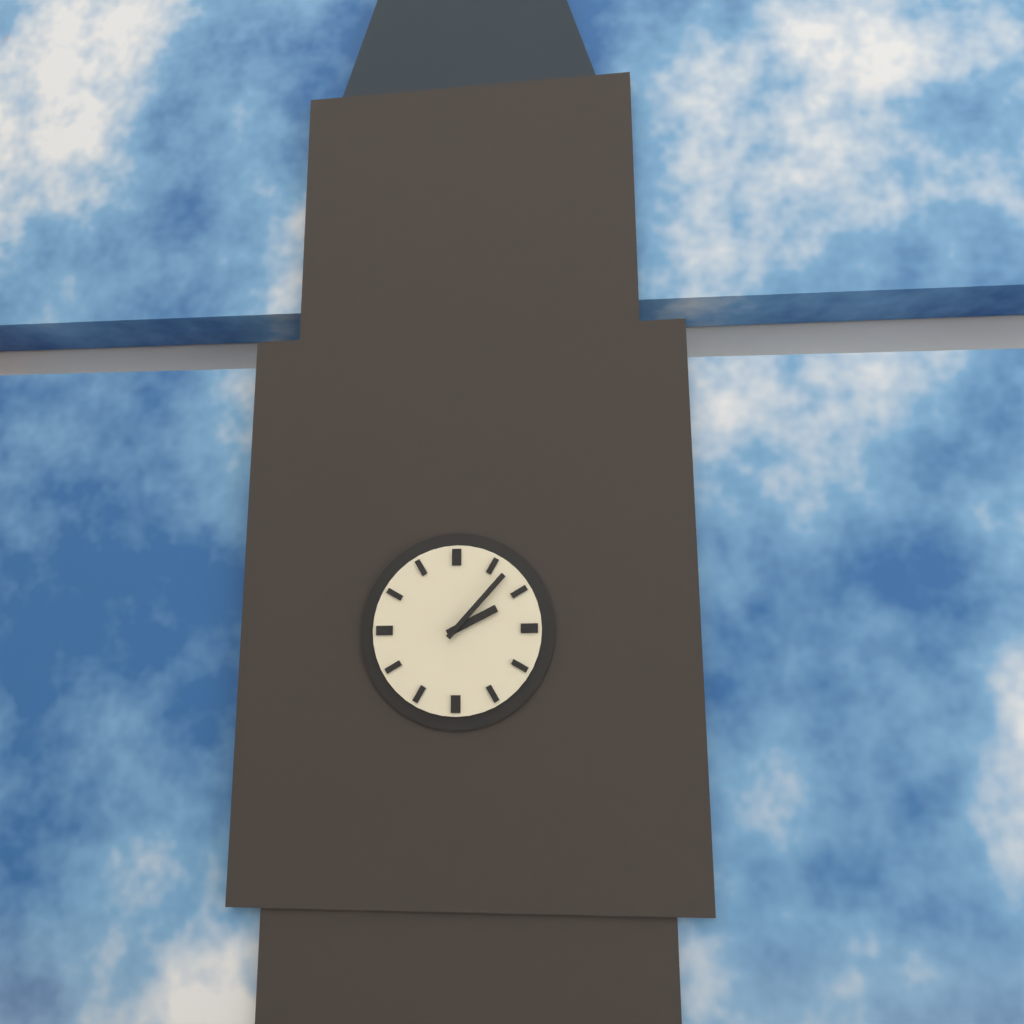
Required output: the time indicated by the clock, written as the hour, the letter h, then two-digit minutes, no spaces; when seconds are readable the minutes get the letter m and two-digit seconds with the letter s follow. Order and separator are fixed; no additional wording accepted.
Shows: 2h07
